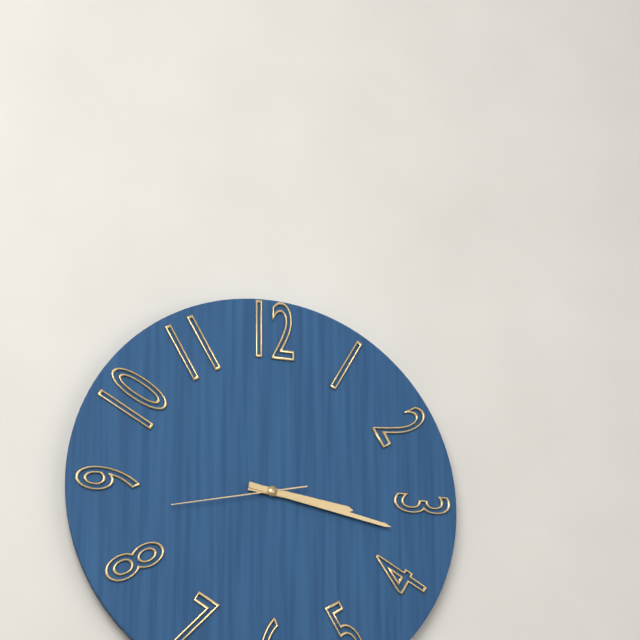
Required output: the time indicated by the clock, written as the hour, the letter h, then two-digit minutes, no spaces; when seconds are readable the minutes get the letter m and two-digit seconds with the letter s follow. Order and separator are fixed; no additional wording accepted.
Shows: 3h17m43s
